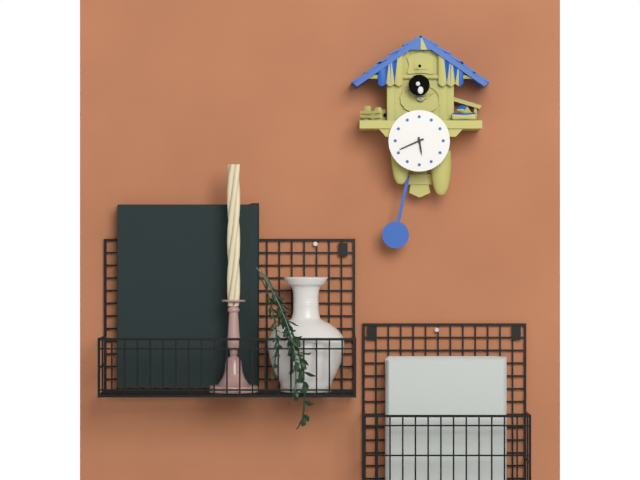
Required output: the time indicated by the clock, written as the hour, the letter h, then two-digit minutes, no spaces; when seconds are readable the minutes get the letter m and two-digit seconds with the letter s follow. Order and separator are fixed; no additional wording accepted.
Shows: 5h41
